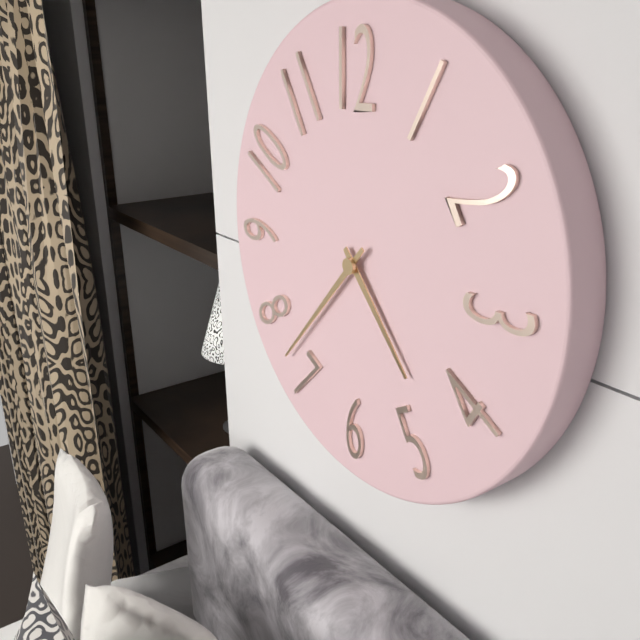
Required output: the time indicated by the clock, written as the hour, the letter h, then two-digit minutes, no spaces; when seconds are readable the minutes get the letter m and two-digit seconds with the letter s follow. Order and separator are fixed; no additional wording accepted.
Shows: 4h37
